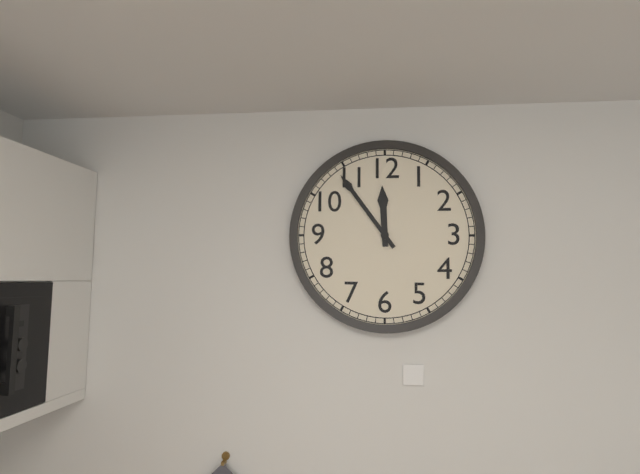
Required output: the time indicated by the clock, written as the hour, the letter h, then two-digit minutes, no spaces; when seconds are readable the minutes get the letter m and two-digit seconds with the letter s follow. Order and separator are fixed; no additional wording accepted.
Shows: 11h54
